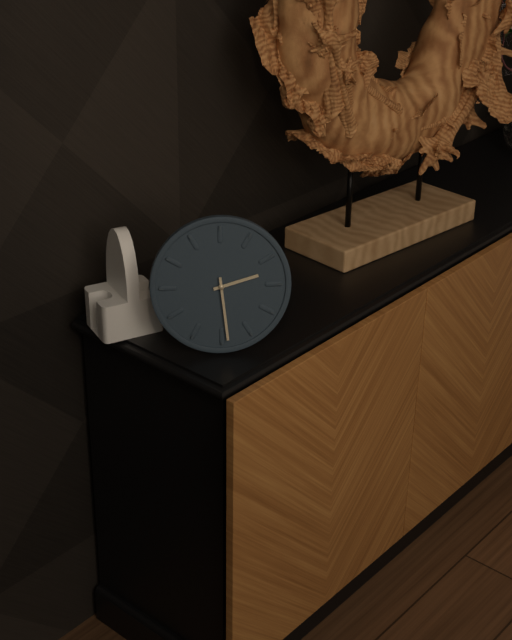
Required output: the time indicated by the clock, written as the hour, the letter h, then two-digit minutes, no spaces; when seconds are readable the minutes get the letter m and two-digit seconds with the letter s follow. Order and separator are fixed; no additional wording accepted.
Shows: 2h29
